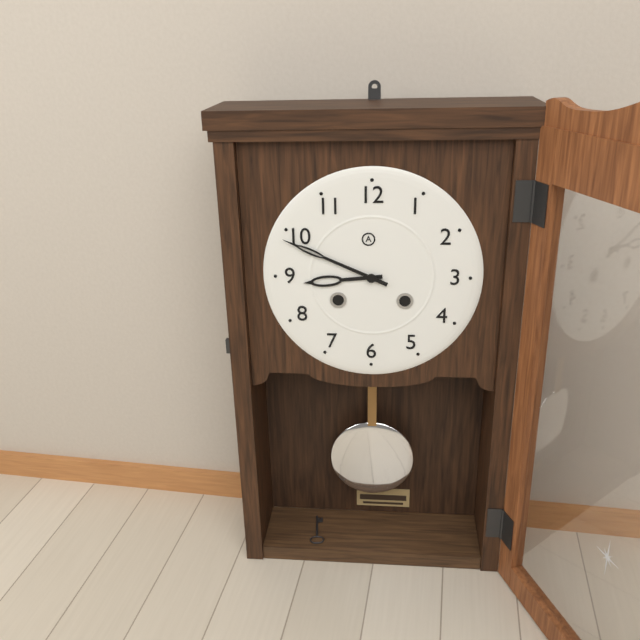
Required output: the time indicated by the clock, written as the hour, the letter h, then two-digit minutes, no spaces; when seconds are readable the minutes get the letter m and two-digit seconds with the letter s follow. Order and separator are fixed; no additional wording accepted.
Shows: 8h49
